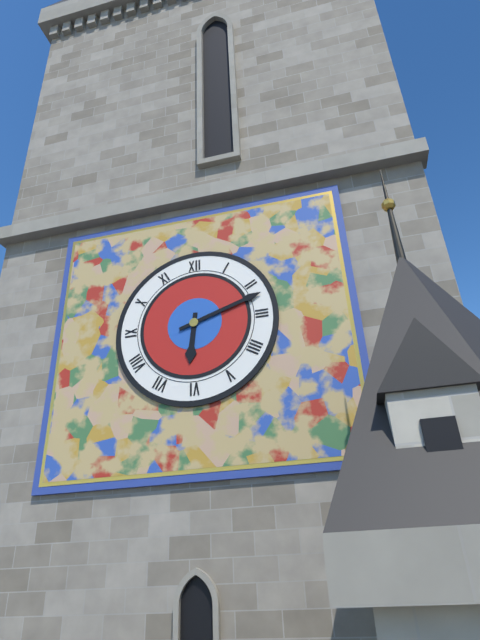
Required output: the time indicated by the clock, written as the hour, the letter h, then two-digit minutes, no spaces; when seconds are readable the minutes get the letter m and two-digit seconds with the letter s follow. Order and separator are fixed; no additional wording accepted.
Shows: 6h12
